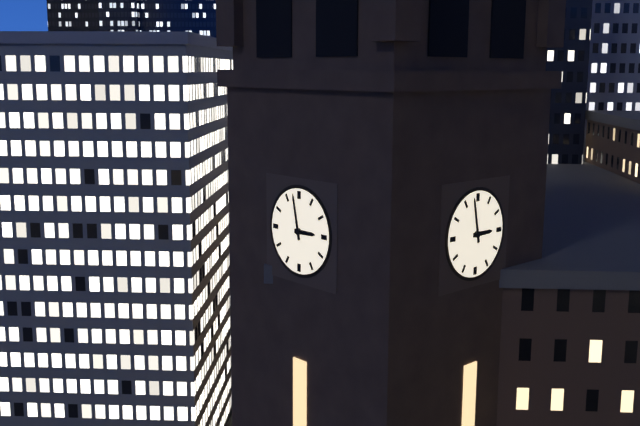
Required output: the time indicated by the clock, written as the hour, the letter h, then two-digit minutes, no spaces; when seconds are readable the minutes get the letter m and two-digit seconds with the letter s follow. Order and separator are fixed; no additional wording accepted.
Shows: 2h58
